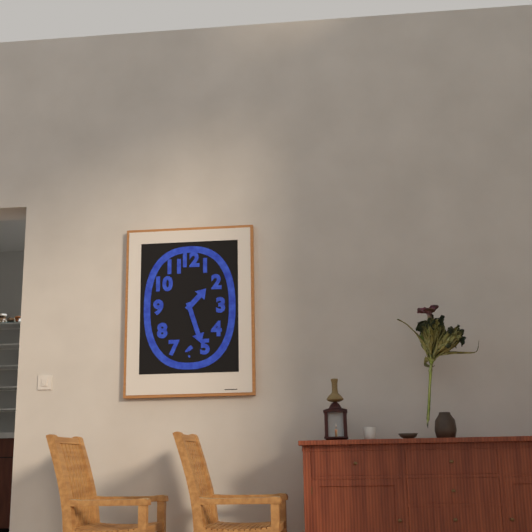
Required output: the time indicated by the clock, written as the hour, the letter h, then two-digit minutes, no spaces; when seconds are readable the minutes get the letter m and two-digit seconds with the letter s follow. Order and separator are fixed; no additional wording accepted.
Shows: 1h27
